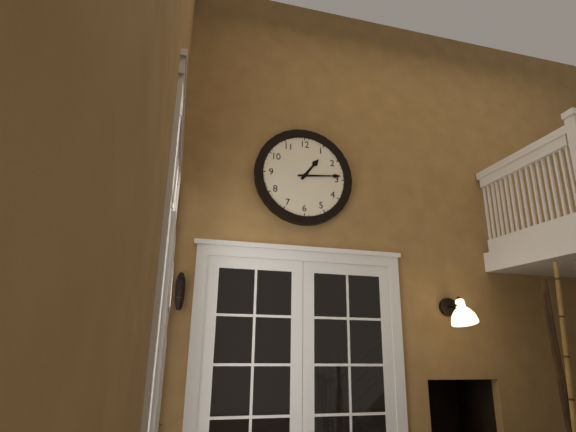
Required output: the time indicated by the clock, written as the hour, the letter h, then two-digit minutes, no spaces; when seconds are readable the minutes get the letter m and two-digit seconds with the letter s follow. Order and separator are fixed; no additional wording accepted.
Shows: 1h14
